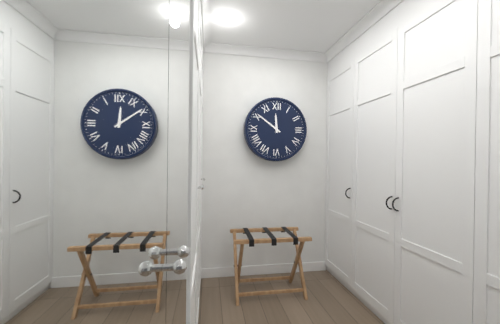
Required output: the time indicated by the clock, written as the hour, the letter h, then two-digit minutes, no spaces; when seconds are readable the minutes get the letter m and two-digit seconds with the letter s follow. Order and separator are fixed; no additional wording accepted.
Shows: 11h51
